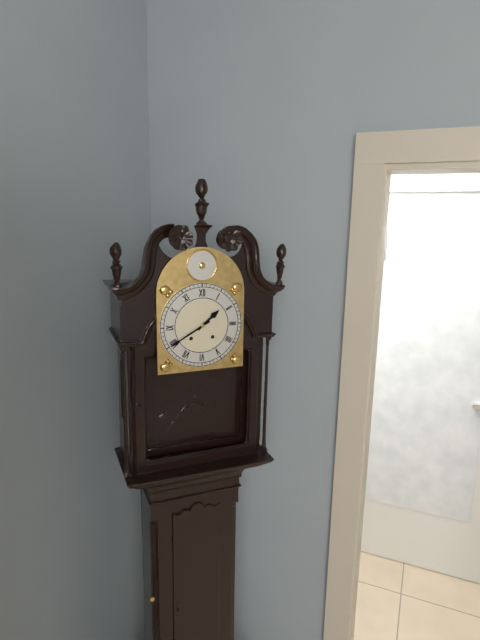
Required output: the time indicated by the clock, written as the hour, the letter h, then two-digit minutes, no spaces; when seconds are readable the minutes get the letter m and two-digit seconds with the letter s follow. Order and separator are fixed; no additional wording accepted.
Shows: 1h40
